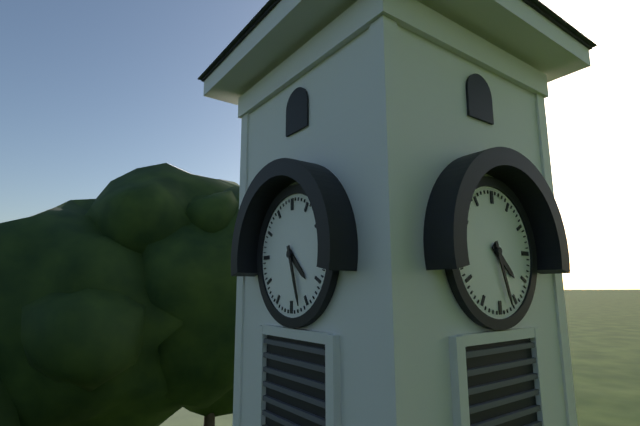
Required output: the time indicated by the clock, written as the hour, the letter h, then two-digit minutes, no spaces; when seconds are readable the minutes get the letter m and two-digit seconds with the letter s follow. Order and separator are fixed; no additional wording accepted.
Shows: 4h27
